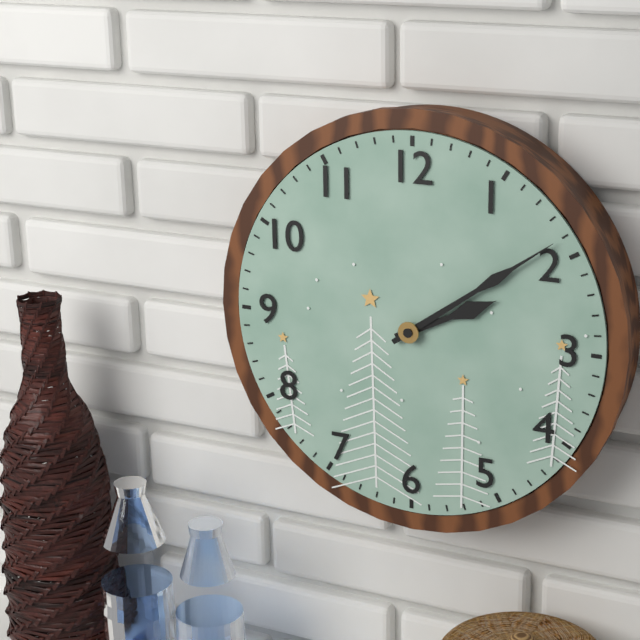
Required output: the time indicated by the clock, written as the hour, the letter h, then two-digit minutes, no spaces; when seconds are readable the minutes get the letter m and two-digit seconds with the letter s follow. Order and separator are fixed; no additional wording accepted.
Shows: 2h09
